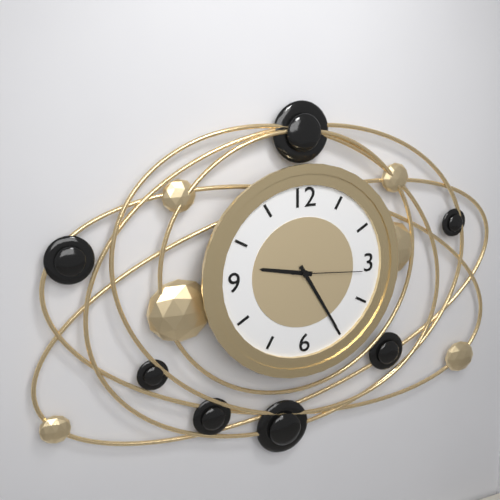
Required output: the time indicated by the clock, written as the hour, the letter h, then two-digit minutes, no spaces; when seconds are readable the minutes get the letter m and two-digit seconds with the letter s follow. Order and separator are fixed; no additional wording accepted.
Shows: 9h25m16s
